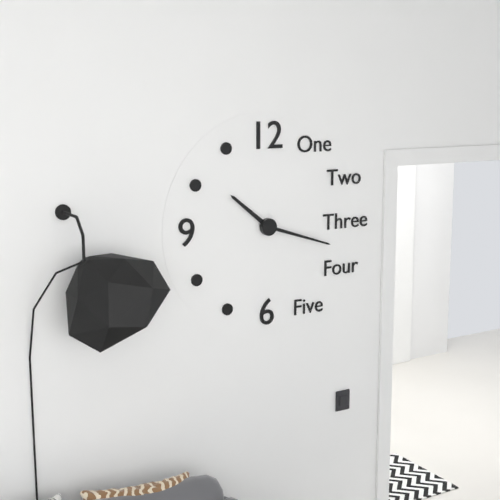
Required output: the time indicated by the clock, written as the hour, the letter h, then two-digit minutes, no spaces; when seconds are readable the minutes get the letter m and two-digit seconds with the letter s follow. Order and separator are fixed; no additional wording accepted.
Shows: 10h18
